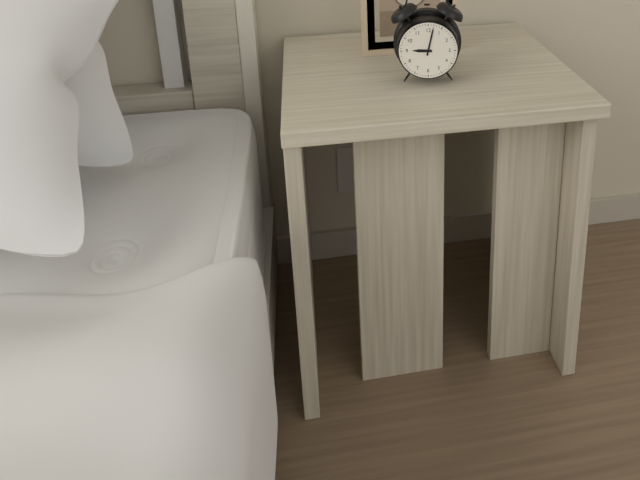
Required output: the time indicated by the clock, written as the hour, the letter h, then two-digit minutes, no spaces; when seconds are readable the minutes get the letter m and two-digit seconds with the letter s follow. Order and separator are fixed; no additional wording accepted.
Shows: 9h02
